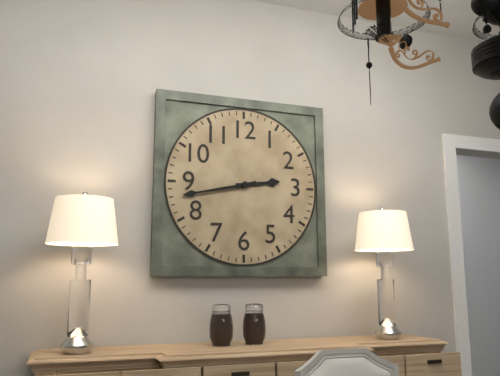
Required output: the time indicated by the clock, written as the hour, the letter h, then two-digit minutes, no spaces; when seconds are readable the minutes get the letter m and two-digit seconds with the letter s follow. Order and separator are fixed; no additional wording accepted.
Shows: 2h43
